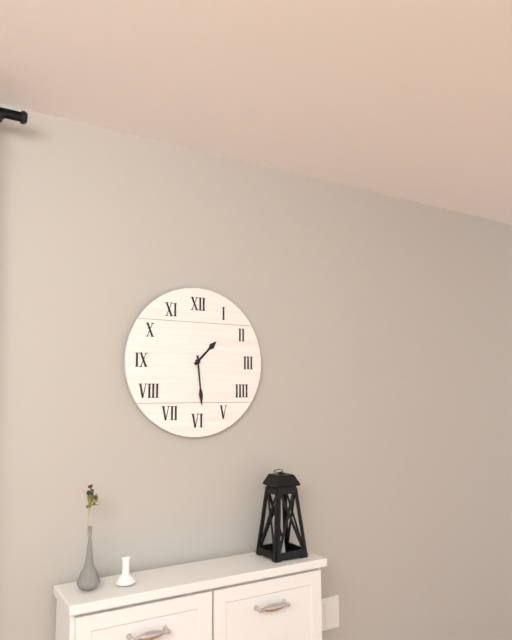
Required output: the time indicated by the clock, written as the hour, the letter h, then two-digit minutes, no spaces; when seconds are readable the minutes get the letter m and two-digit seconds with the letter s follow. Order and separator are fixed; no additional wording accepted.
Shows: 1h29
